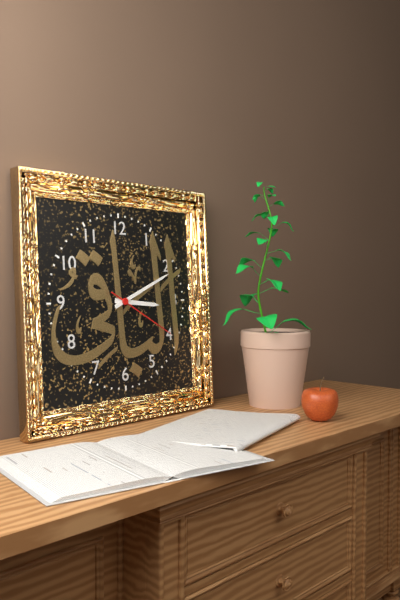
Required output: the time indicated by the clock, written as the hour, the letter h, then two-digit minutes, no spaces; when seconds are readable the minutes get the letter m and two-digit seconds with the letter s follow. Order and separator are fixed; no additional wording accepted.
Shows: 3h11m20s
